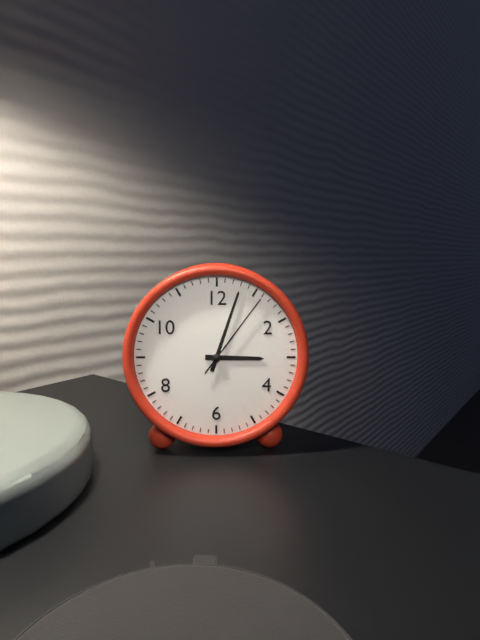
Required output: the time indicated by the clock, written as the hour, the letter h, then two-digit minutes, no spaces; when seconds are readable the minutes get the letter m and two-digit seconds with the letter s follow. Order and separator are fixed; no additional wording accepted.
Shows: 3h03m06s
